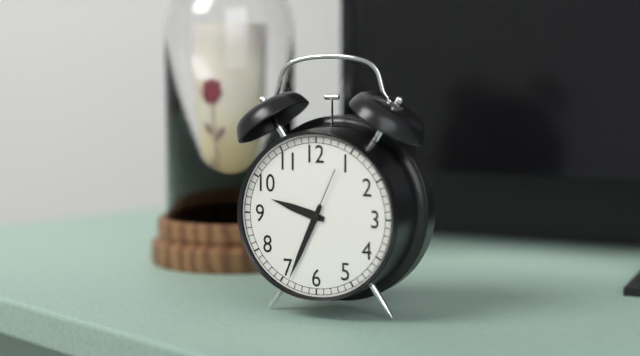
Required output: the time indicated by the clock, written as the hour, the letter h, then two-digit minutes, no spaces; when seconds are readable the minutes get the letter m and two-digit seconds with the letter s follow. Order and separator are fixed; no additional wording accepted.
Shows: 9h34m04s
